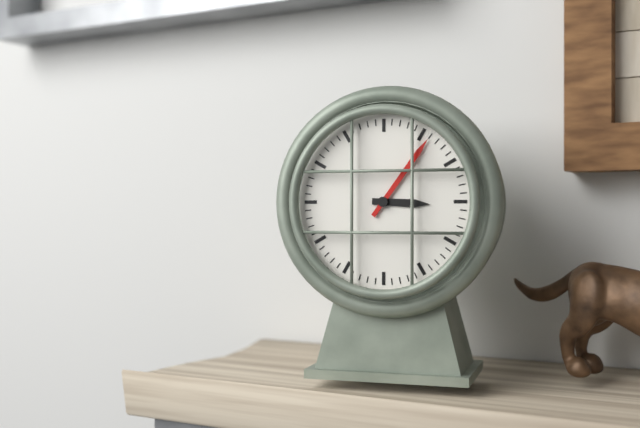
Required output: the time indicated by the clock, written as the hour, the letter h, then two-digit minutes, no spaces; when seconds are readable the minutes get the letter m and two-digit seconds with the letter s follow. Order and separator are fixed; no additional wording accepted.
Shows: 3h06
